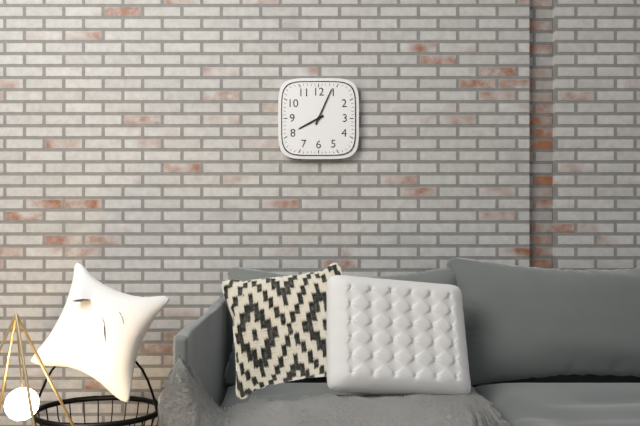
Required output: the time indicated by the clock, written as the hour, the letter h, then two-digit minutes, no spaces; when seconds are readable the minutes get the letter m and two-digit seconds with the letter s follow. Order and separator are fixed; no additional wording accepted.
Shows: 8h04
